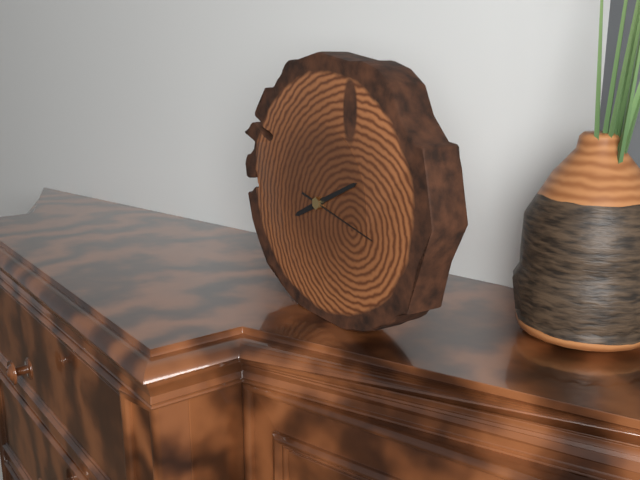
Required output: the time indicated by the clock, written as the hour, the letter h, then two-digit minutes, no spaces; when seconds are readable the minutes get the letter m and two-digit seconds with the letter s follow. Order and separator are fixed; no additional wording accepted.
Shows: 8h11m17s
